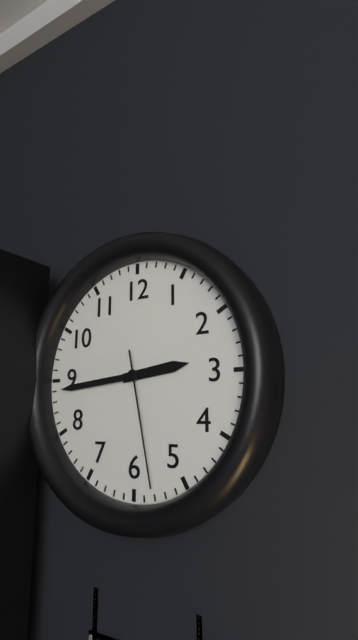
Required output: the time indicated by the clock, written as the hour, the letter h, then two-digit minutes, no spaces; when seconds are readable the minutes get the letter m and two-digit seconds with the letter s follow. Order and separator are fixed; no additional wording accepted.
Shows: 2h44m28s
